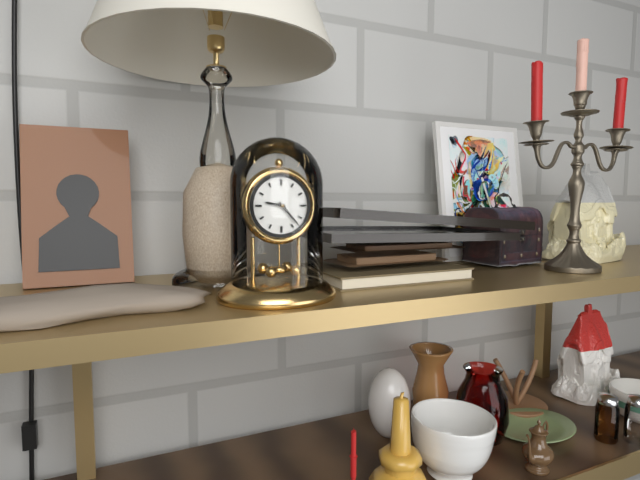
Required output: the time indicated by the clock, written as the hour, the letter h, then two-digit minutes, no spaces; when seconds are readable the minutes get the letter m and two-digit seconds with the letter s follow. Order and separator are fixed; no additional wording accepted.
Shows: 9h23
